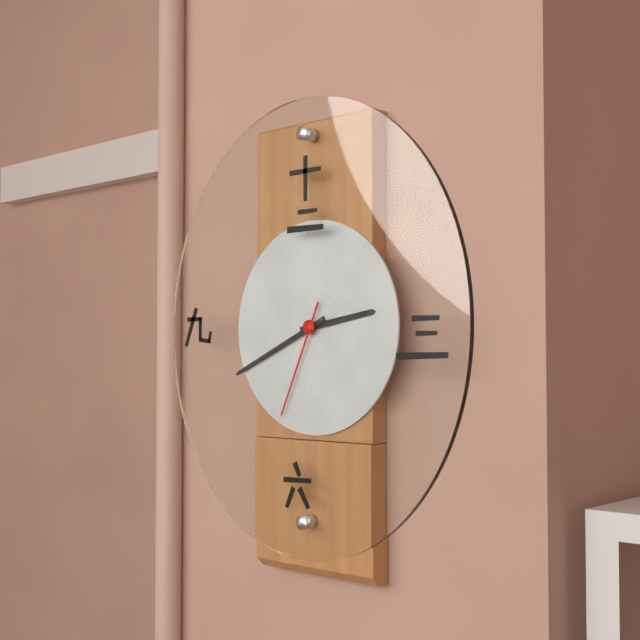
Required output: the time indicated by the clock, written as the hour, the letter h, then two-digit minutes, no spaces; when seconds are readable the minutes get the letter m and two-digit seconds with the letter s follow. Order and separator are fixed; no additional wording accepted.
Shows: 2h41m34s
